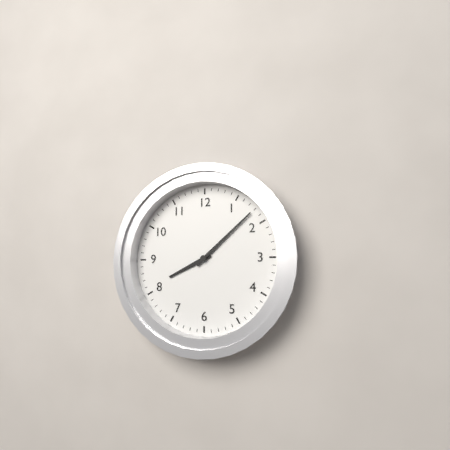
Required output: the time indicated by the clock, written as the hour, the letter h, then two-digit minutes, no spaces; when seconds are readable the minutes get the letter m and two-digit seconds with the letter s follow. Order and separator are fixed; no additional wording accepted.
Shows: 8h08
